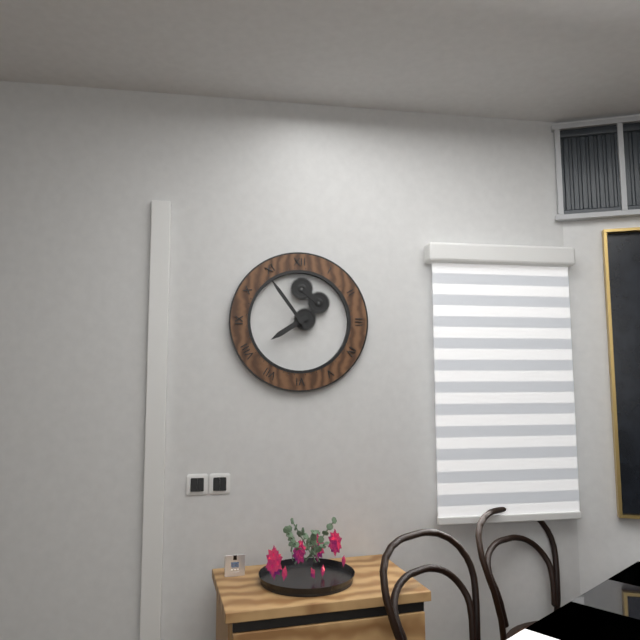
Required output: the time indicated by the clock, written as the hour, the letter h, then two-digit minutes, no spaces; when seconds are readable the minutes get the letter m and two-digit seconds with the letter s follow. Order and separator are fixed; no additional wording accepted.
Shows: 7h54
